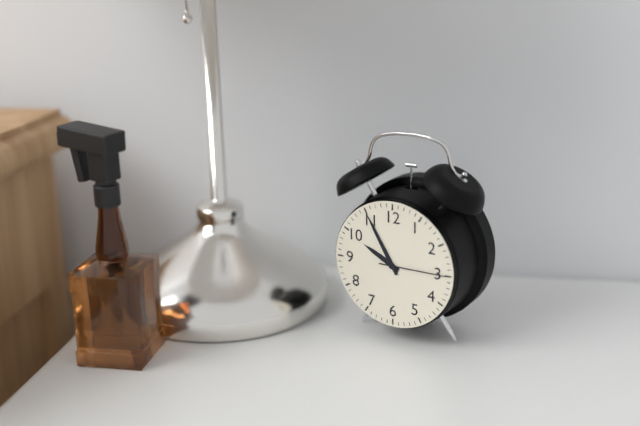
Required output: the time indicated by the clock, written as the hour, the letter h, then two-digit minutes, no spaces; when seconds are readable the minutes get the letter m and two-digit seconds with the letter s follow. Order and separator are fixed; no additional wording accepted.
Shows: 9h55m15s
